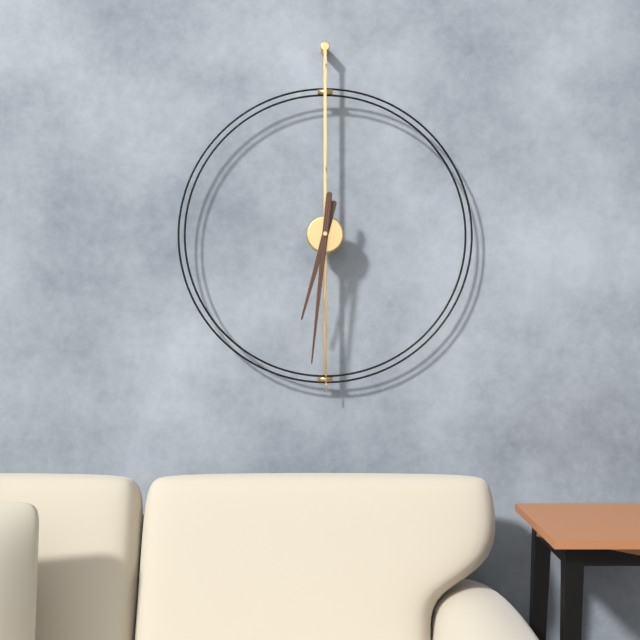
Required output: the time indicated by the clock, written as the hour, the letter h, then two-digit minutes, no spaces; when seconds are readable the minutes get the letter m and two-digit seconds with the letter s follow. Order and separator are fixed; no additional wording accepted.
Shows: 6h31
